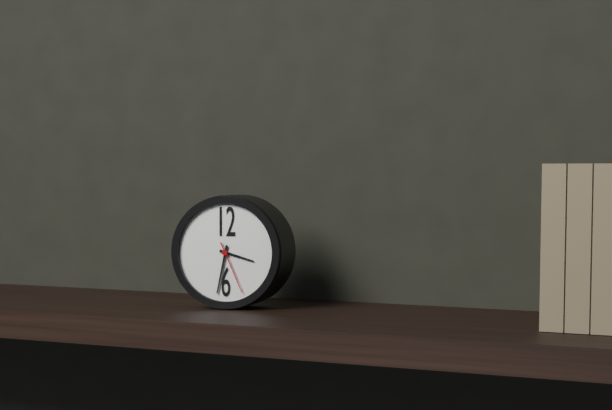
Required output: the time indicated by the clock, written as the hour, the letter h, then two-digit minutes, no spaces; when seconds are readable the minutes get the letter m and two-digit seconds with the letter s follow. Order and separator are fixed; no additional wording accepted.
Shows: 3h32m26s
